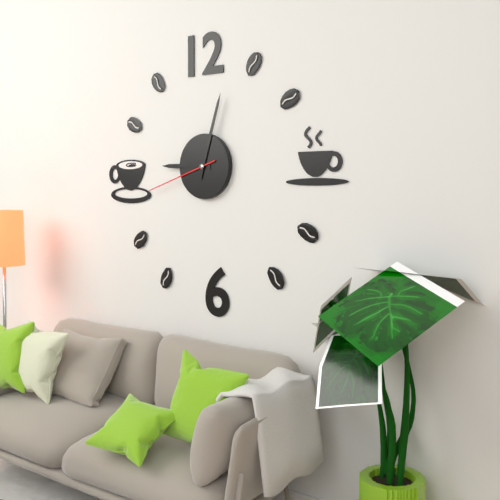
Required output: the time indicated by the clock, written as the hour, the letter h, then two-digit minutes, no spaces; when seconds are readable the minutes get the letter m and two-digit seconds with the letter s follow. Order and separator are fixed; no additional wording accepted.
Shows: 9h03m42s
